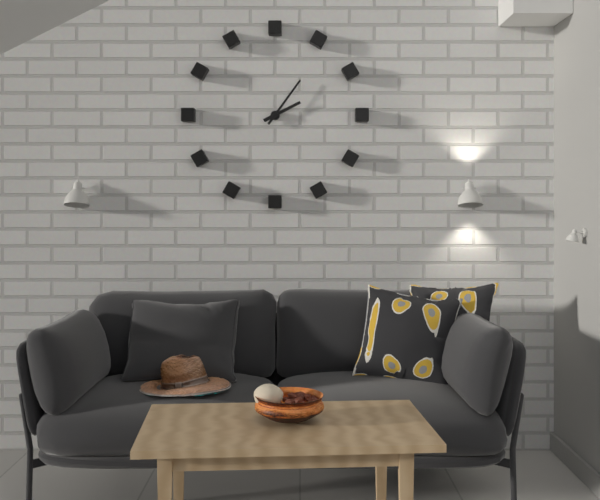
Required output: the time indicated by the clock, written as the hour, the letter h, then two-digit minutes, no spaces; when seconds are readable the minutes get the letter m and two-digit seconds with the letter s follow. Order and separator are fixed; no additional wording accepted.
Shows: 2h06
